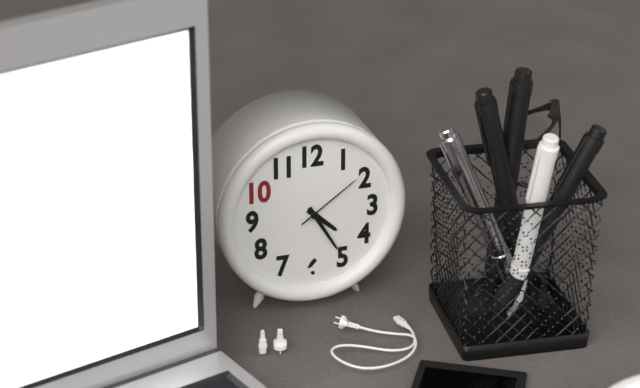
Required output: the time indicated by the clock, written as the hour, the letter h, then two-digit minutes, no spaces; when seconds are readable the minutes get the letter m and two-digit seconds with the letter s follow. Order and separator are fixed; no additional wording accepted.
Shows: 4h25m09s
